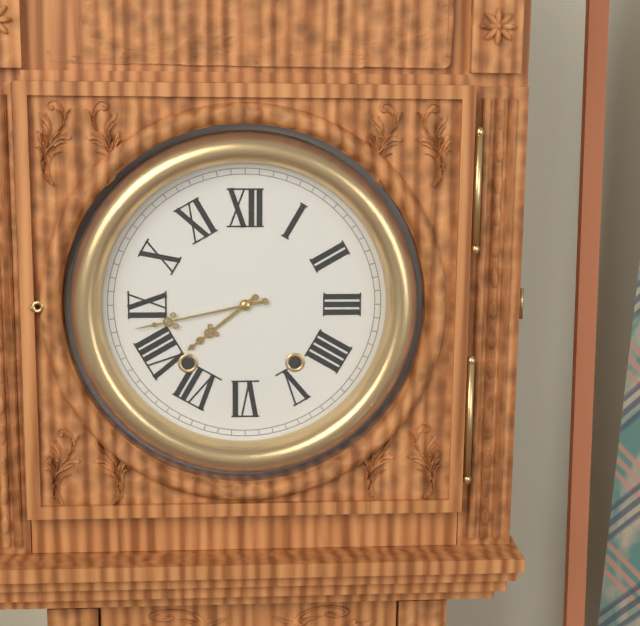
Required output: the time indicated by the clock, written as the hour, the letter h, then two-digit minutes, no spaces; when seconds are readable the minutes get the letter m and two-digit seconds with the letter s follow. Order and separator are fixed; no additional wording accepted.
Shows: 7h43
